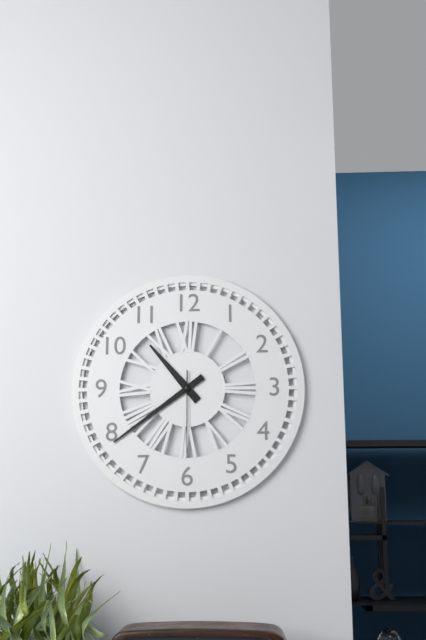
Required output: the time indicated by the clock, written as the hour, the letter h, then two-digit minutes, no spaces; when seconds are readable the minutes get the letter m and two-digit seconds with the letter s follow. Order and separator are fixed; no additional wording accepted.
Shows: 10h39m30s
